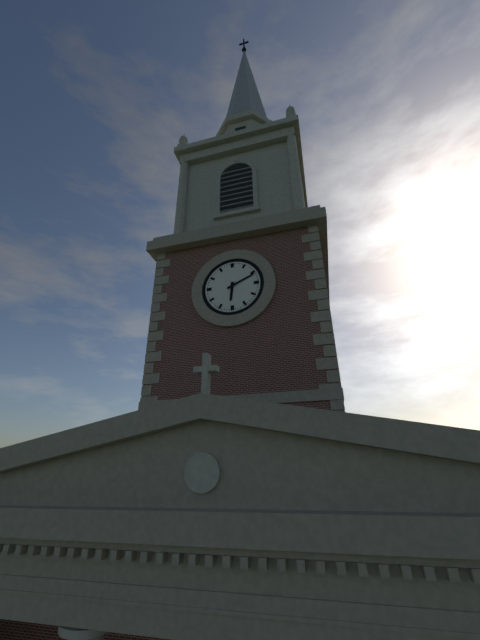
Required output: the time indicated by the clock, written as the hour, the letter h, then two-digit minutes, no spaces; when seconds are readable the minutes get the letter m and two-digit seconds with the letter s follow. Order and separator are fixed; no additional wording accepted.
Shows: 6h11
